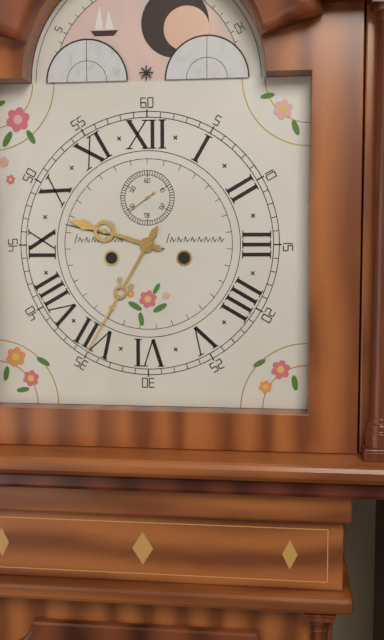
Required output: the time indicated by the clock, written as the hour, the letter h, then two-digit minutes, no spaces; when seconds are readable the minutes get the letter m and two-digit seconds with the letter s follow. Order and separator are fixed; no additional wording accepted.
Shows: 9h35
